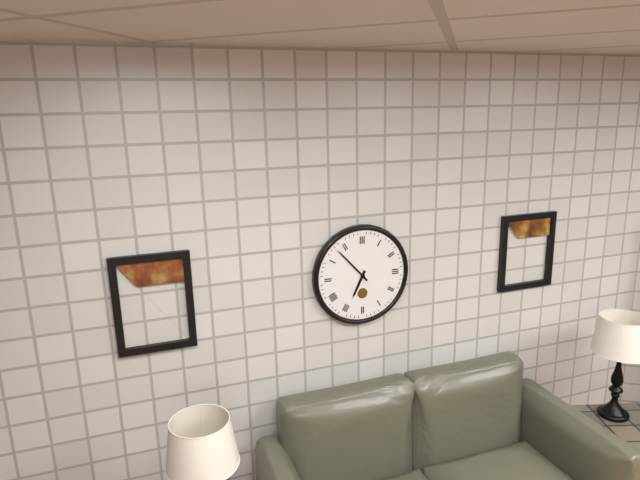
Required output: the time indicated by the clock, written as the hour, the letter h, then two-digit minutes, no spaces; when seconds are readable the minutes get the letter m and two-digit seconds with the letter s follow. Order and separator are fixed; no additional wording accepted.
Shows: 6h53
